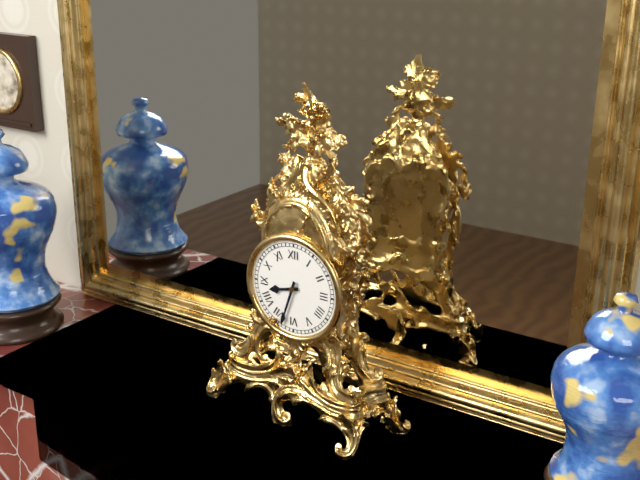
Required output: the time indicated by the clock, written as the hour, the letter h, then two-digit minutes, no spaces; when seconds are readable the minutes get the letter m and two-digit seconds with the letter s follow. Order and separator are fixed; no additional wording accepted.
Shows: 8h33
